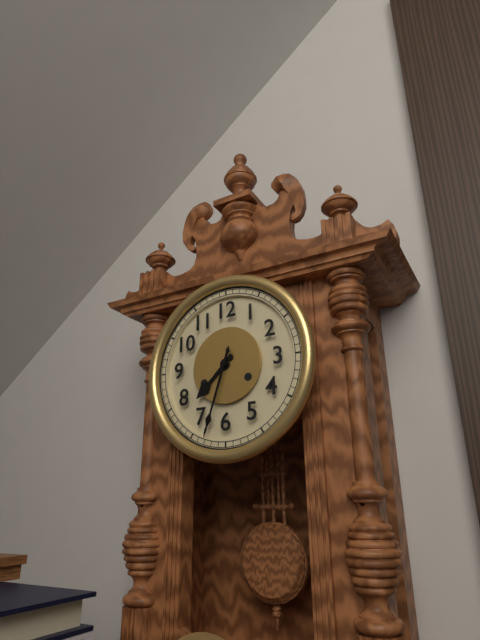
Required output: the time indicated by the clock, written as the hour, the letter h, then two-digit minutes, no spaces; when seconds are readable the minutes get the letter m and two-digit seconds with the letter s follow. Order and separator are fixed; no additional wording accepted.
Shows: 7h33
